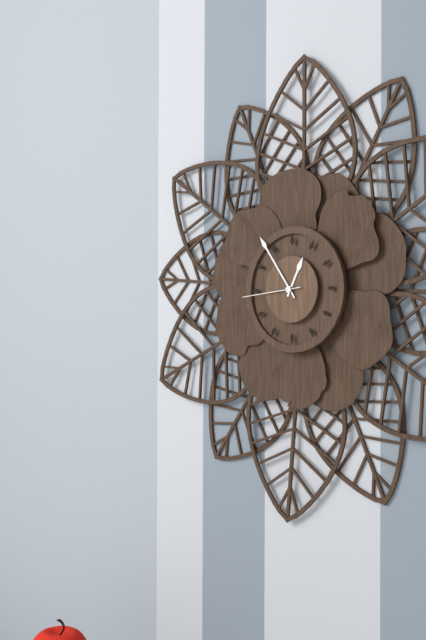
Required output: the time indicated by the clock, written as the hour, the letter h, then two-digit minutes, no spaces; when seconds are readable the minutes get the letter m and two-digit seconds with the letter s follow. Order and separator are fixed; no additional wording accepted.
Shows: 12h54m44s
